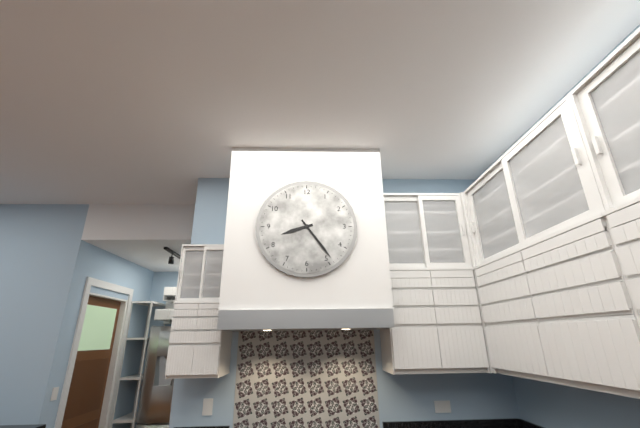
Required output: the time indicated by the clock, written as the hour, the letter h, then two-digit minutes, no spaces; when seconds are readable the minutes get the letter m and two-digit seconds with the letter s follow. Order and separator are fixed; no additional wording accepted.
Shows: 8h24
